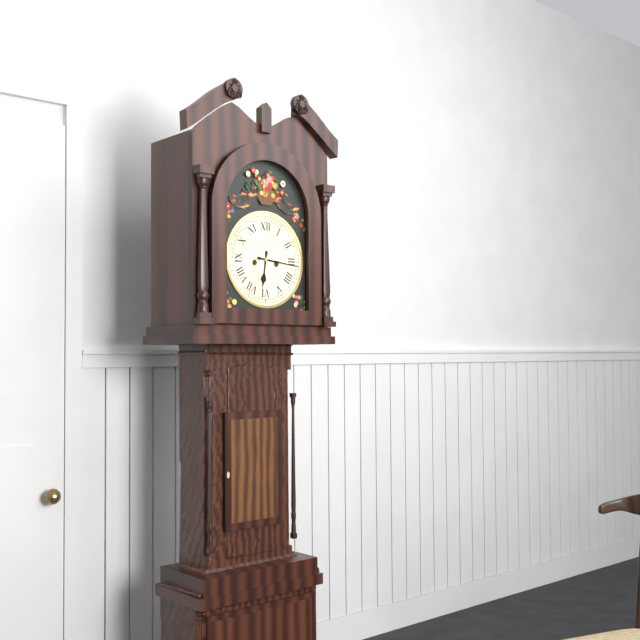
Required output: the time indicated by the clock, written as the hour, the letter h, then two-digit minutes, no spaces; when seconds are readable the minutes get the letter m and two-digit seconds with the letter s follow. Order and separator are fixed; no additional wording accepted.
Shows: 6h16
